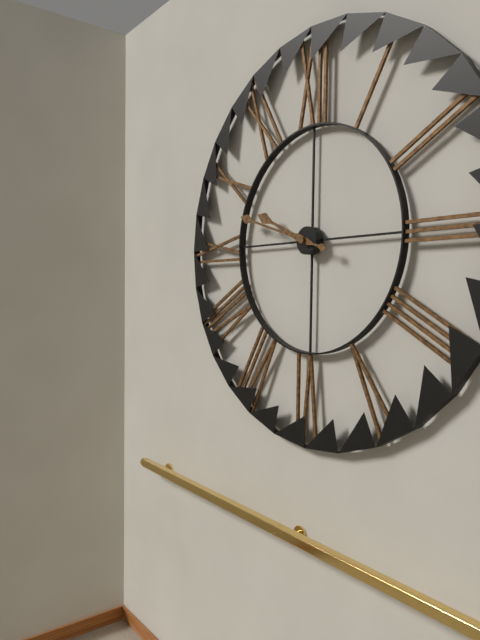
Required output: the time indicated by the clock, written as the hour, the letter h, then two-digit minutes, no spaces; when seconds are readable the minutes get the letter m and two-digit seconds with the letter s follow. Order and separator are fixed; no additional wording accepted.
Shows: 9h48
